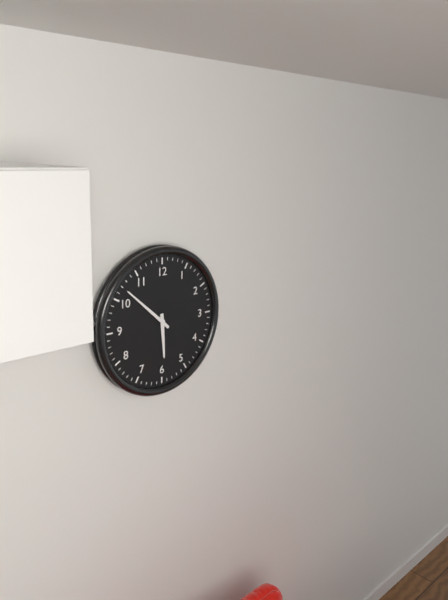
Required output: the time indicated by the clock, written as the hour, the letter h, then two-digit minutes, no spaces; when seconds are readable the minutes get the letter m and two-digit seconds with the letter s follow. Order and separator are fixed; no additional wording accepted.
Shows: 5h52
